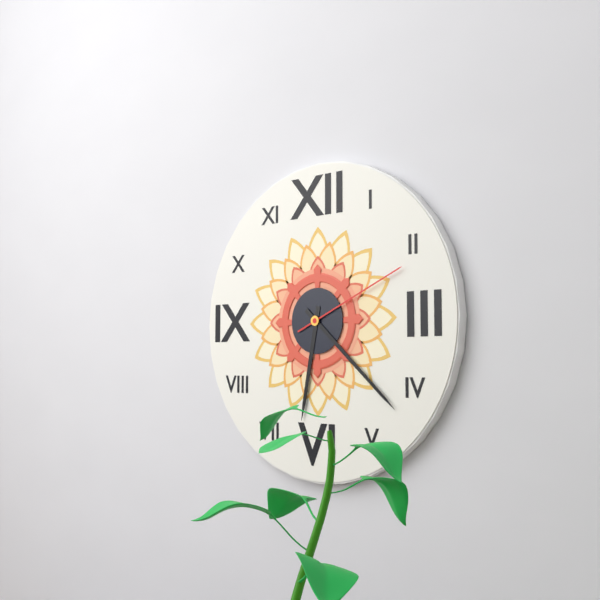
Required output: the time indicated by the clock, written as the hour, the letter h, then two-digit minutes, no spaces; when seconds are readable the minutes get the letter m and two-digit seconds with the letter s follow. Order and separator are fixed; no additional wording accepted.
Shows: 6h22m11s
